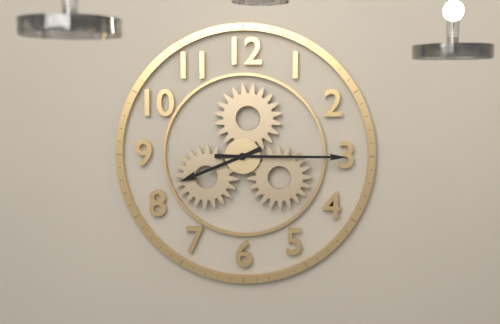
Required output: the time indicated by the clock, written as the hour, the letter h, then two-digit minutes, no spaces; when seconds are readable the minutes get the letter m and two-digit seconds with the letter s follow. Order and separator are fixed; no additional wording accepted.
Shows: 8h15
